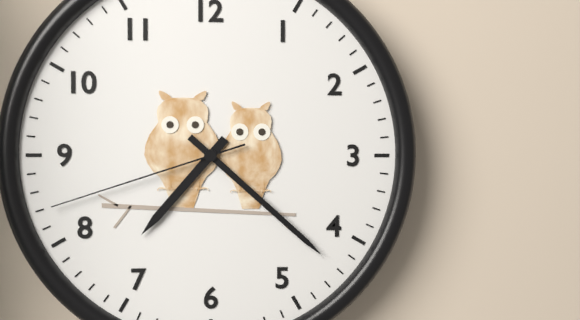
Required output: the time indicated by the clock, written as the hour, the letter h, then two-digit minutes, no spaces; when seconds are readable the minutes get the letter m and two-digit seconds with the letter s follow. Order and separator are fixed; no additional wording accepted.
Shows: 7h22m42s
